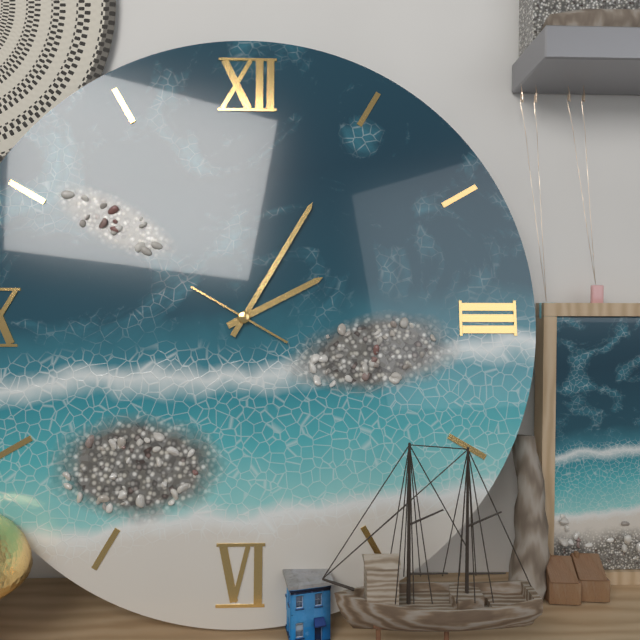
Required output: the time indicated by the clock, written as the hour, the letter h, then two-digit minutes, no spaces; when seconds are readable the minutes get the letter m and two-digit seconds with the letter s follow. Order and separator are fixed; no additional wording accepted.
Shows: 2h05m50s
